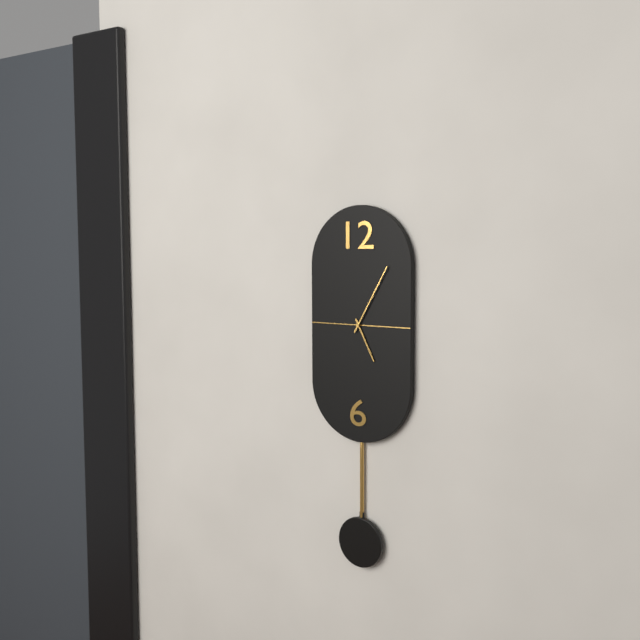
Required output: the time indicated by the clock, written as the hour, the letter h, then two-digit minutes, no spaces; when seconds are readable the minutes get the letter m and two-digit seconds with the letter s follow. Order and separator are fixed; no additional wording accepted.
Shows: 5h05
